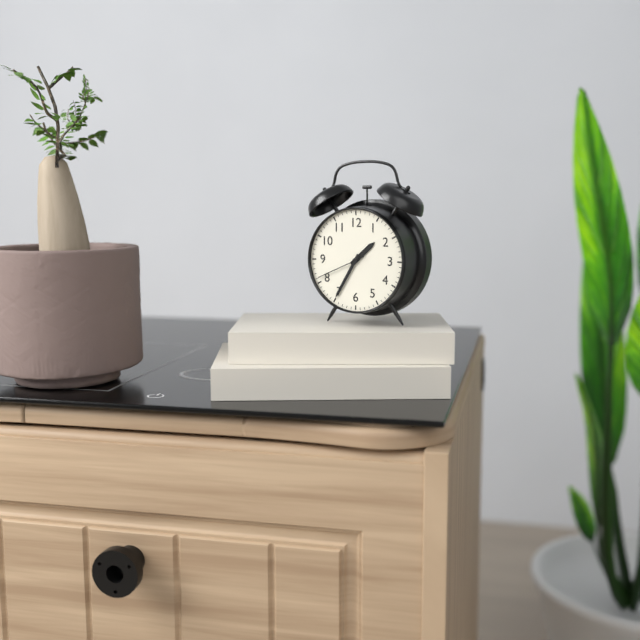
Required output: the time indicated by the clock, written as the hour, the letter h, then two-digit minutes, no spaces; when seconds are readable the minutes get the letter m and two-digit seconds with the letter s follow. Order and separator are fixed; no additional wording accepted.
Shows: 1h35m41s
